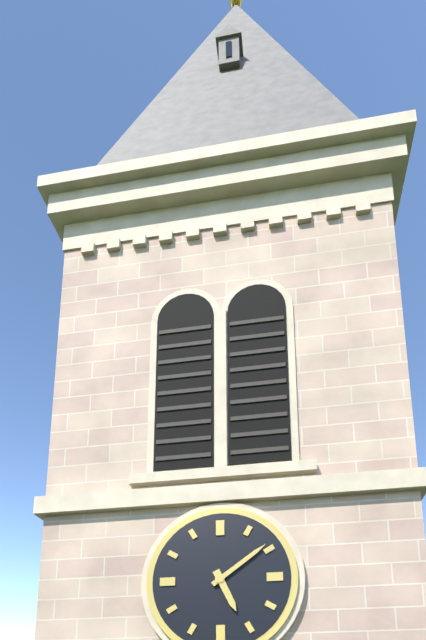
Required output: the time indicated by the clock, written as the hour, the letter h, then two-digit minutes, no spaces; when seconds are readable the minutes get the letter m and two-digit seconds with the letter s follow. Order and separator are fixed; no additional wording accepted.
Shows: 5h09
